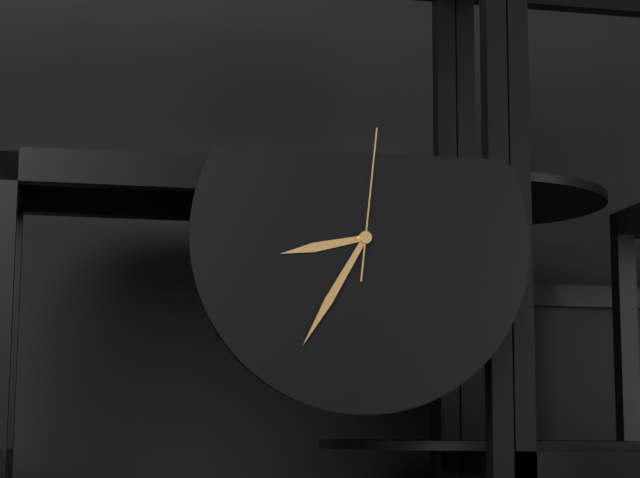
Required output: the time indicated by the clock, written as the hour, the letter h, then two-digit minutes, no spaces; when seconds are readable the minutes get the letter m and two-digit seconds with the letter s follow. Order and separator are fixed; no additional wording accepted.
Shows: 8h35m01s
